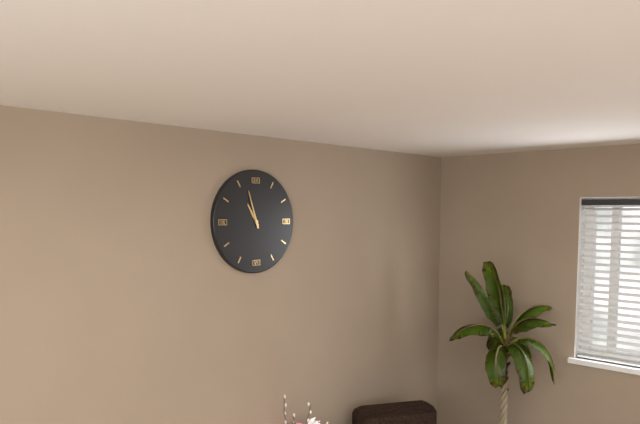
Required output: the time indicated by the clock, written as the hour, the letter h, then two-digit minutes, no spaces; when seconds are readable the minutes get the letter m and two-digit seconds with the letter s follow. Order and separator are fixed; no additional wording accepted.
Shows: 10h57
